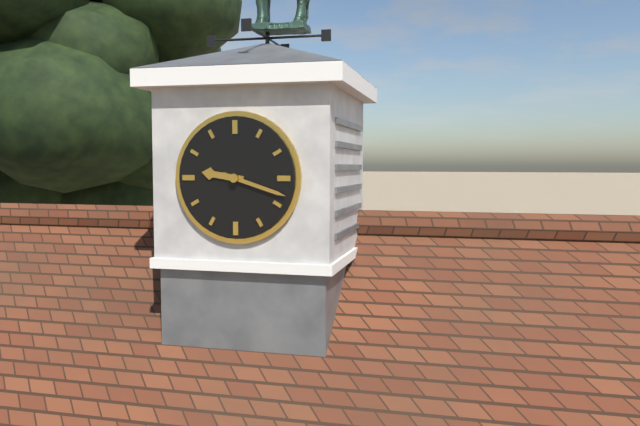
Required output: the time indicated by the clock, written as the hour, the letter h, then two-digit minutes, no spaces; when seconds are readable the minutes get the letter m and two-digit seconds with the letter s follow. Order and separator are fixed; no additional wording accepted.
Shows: 9h18
